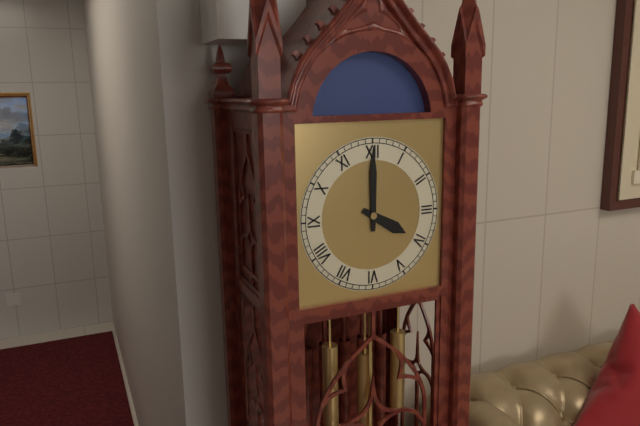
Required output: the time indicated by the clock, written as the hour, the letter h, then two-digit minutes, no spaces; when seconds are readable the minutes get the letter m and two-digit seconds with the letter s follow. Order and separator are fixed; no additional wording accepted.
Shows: 4h00
